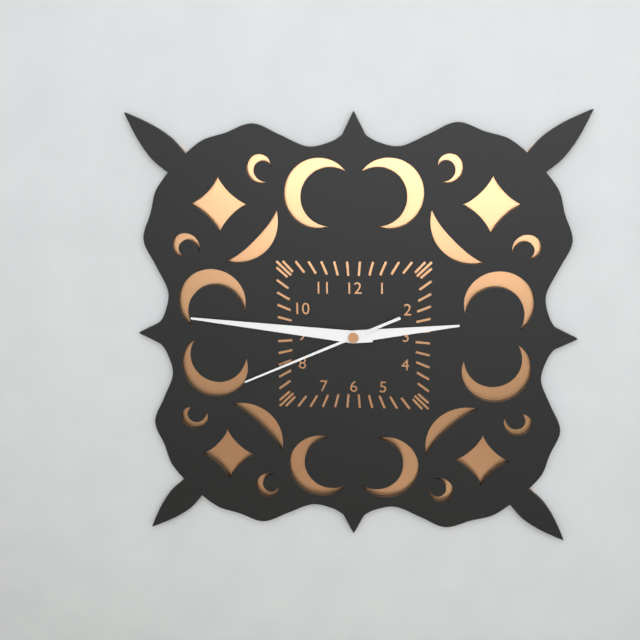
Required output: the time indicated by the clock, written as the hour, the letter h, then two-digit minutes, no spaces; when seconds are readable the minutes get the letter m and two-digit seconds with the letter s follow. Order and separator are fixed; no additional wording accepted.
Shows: 2h46m41s
